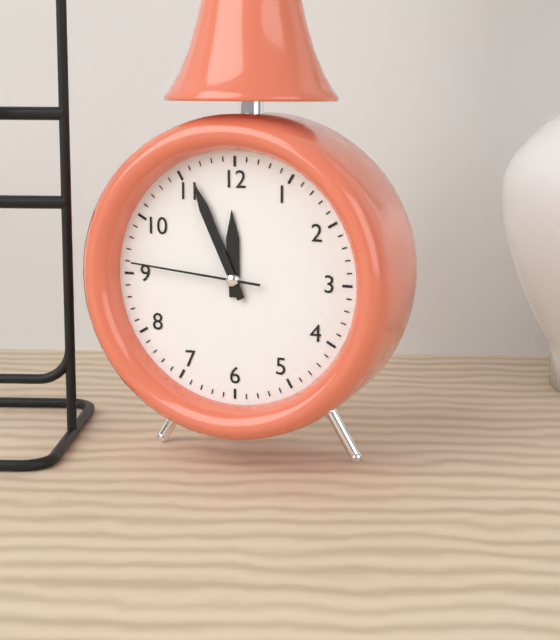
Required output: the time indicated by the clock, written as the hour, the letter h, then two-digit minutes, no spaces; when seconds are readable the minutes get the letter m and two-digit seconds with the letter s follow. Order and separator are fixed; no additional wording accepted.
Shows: 11h56m46s
